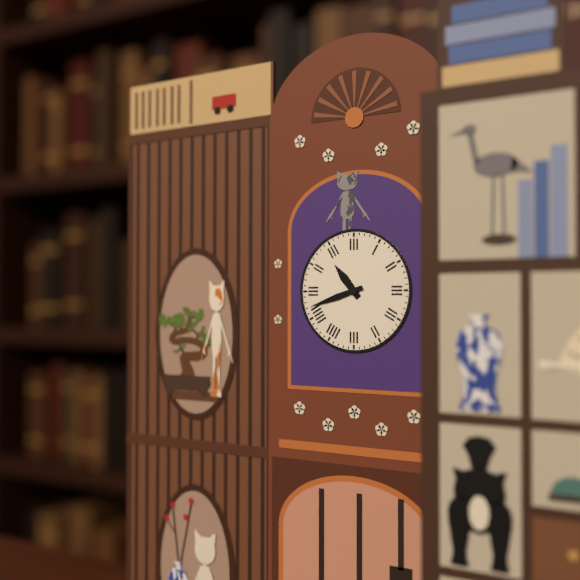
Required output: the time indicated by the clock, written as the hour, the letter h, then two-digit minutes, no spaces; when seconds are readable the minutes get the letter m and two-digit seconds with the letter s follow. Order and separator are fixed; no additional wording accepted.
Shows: 10h42
